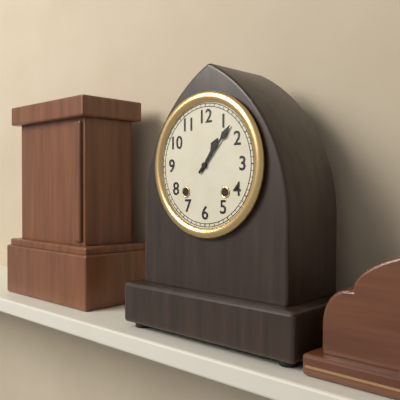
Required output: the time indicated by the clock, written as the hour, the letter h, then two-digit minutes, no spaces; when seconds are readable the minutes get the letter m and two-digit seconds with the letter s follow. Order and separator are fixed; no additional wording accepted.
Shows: 1h07
